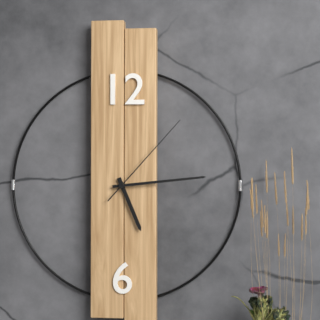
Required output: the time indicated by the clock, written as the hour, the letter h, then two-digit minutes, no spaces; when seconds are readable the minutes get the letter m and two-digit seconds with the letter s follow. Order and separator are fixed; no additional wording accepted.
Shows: 5h14m07s
